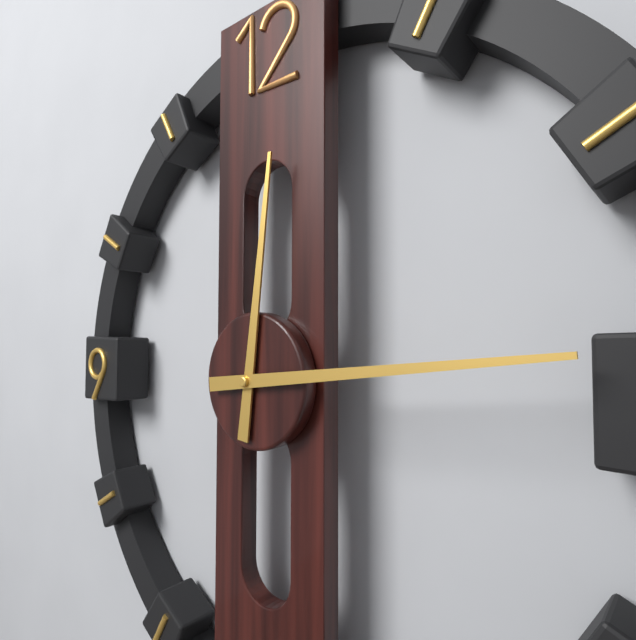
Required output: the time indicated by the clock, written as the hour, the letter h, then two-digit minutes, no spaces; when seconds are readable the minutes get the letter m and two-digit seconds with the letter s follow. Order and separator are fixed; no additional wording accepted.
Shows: 12h14
